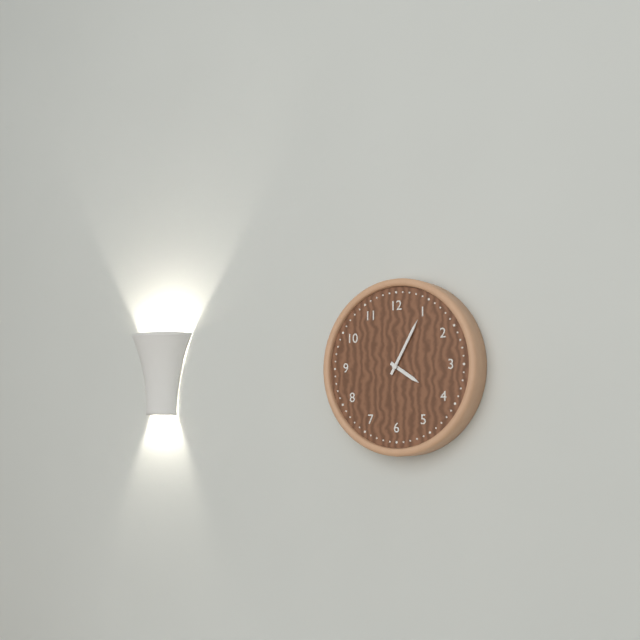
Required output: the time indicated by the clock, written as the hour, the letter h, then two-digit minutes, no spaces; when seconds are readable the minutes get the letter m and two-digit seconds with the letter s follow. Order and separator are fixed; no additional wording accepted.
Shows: 4h05
